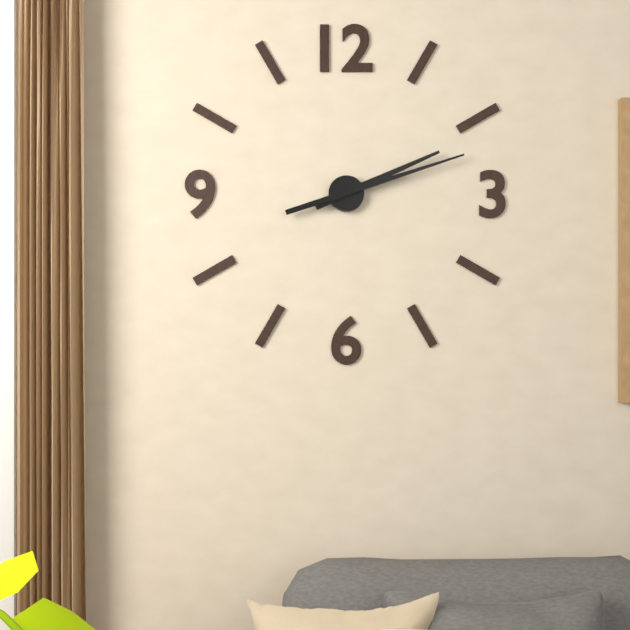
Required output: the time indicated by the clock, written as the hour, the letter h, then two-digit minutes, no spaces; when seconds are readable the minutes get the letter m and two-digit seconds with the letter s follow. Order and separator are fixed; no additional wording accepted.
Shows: 2h12
